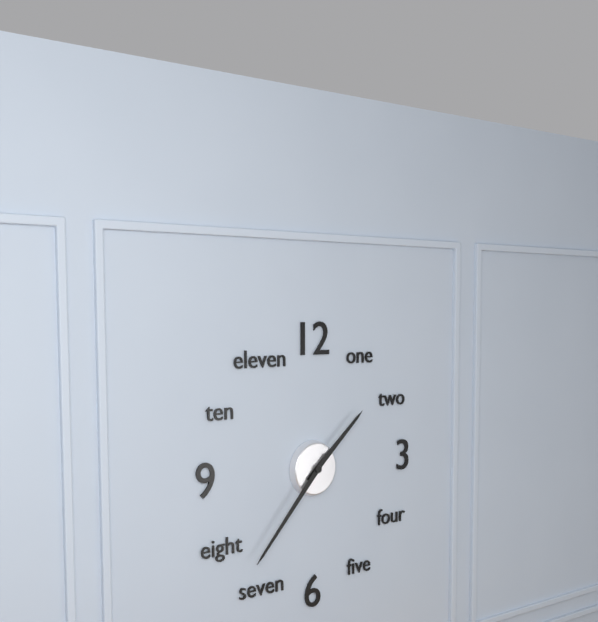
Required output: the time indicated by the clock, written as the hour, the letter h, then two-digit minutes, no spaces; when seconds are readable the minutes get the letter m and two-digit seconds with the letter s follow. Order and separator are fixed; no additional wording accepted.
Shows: 1h37
